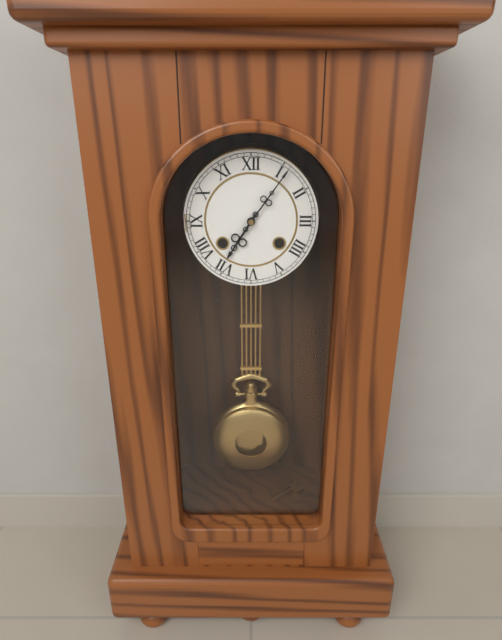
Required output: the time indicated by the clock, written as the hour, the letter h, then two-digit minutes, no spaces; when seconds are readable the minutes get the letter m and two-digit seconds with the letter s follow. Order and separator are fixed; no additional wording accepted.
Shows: 7h06
